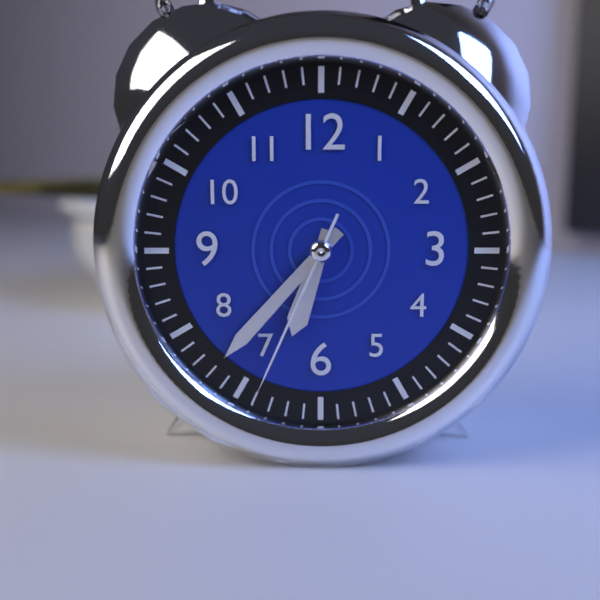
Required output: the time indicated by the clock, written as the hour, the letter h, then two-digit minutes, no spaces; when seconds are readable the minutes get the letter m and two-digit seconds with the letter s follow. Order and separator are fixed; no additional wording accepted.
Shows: 6h37m34s
